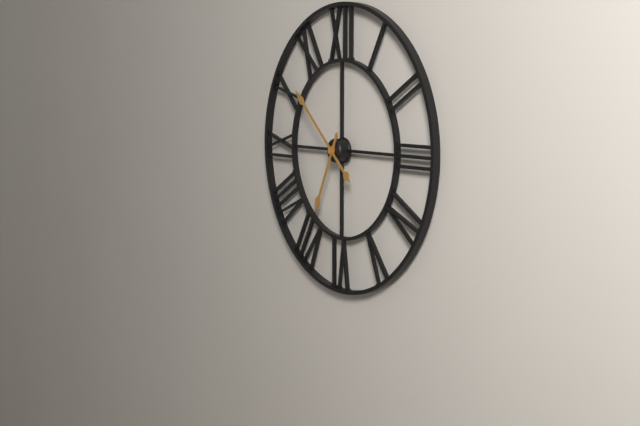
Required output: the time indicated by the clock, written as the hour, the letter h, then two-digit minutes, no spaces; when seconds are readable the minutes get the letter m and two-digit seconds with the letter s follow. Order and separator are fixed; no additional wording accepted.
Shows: 6h52
